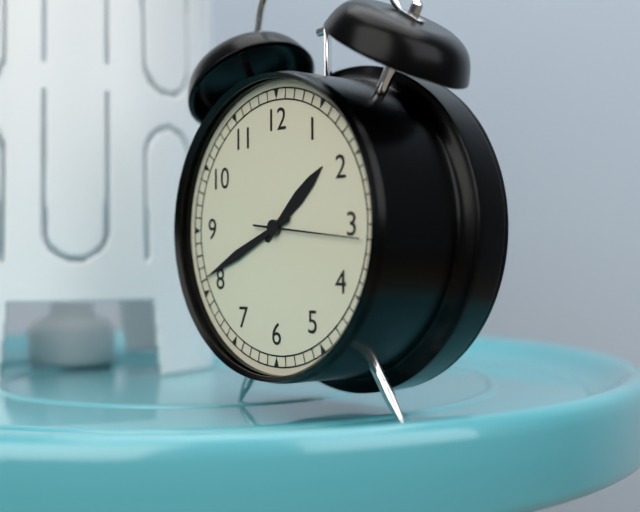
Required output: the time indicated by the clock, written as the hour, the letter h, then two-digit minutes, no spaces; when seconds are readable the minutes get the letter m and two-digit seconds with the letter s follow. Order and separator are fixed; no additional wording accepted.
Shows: 1h41m16s
